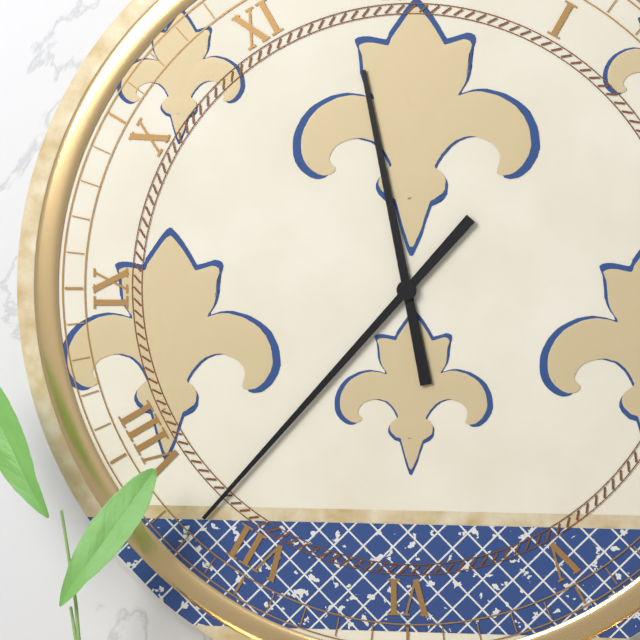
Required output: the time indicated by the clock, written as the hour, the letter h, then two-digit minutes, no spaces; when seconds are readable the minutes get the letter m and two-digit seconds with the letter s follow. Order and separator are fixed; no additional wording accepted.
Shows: 11h37
